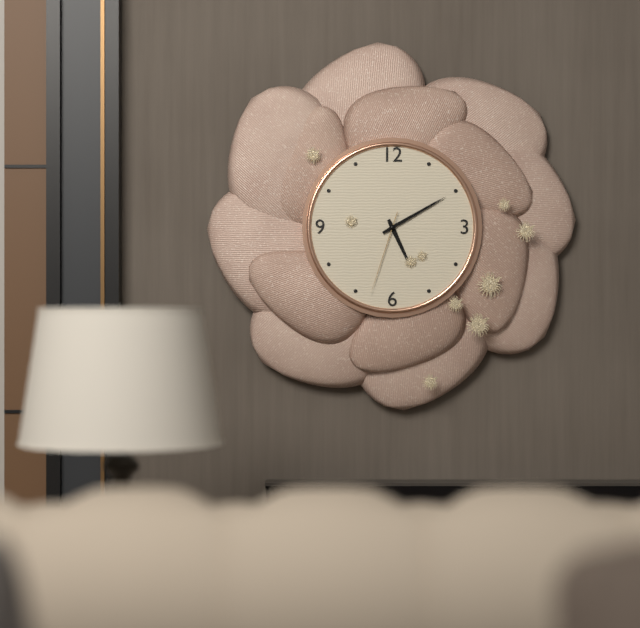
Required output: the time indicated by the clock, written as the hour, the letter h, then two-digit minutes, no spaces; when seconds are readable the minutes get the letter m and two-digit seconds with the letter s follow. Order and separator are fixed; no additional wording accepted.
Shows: 5h10m33s
